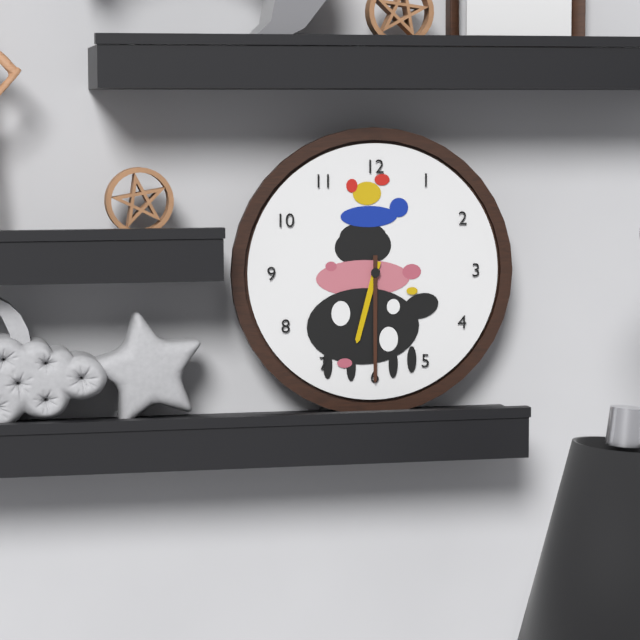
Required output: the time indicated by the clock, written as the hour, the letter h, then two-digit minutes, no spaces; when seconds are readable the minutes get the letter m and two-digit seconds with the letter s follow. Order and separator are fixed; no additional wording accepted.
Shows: 6h30
